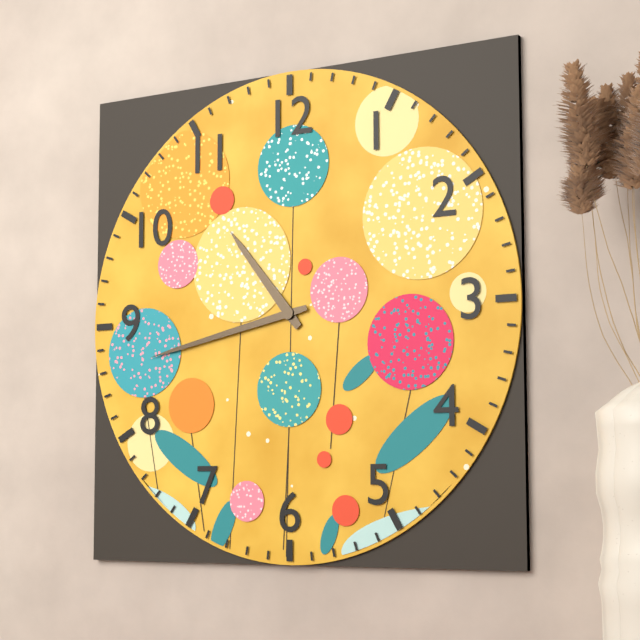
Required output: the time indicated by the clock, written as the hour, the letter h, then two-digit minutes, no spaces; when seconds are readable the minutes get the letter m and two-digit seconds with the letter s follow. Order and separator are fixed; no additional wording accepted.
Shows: 10h43
